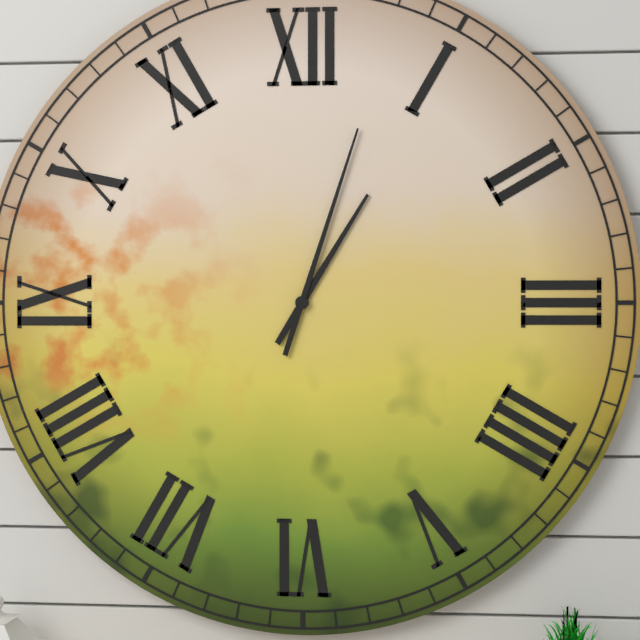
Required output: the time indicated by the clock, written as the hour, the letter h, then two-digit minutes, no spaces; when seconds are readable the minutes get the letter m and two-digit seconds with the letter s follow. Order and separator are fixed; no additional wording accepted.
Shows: 1h03
